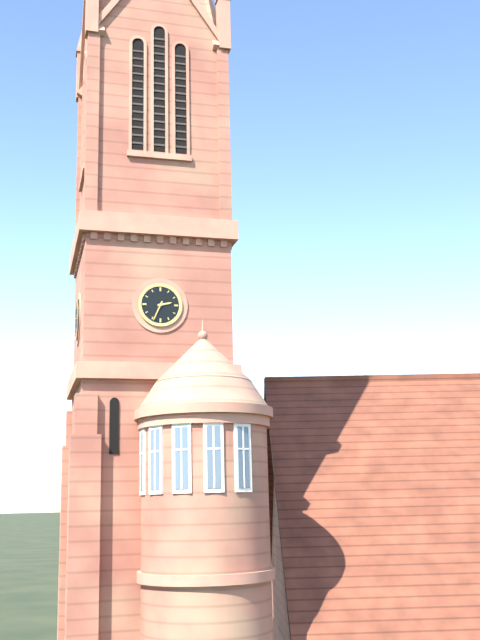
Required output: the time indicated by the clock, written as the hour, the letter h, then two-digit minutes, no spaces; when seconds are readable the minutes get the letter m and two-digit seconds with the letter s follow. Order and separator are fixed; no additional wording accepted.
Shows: 2h34
